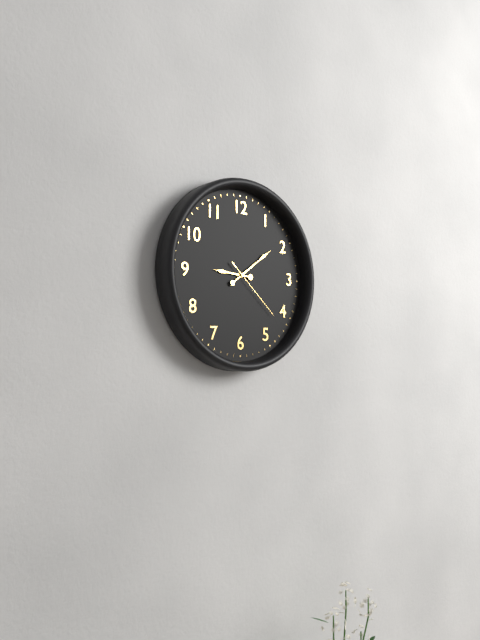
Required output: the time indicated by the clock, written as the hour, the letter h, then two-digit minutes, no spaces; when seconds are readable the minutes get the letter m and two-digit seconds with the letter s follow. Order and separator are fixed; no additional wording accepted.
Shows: 9h09m22s
